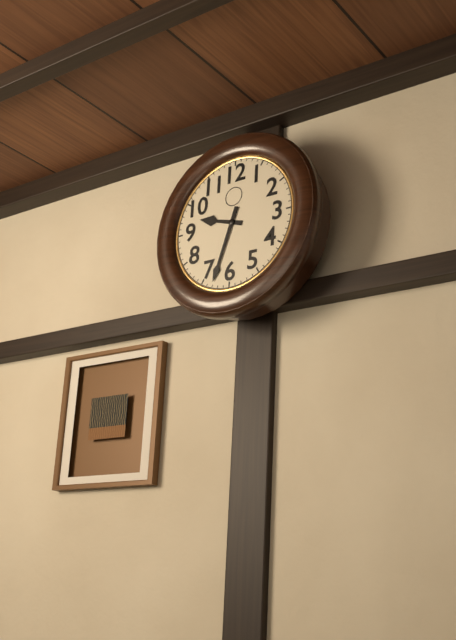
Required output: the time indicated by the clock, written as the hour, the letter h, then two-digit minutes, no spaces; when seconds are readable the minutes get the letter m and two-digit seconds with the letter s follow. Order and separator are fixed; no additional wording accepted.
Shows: 9h33
